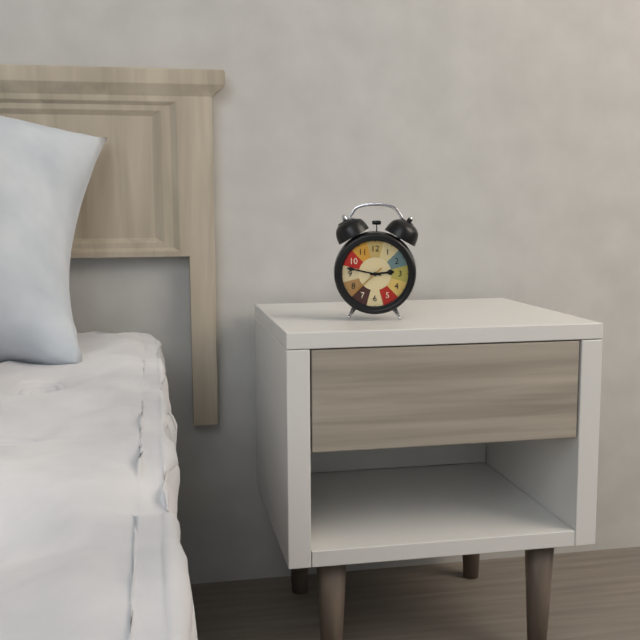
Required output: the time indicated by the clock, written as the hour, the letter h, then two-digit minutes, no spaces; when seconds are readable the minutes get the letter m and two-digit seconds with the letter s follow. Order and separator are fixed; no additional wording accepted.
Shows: 2h47
